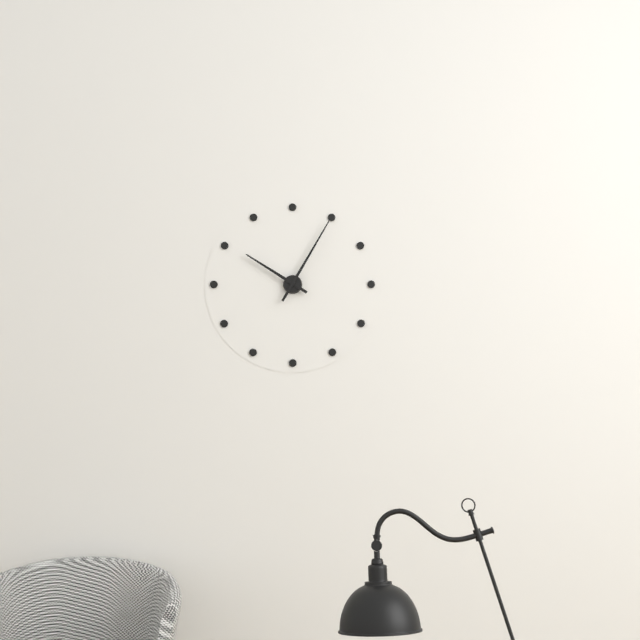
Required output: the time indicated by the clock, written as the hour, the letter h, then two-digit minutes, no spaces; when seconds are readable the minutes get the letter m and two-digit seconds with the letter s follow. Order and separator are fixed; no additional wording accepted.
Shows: 10h05
